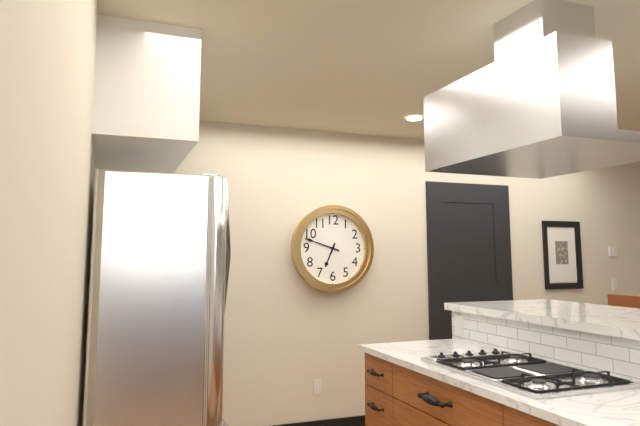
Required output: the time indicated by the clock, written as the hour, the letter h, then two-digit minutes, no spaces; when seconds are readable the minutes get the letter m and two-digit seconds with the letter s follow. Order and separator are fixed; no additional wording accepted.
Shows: 6h48
